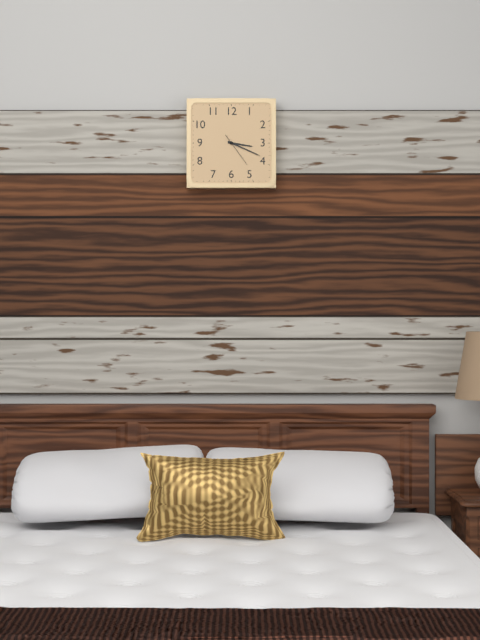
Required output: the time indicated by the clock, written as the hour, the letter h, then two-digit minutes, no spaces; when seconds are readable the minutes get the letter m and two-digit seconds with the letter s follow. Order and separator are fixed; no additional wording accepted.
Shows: 3h19
